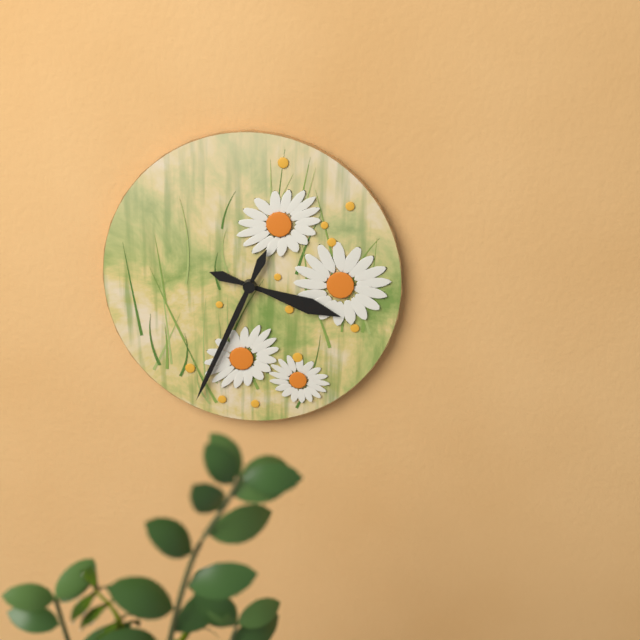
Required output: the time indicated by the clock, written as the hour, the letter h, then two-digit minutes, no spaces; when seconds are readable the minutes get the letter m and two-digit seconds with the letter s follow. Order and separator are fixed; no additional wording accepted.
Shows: 3h34
